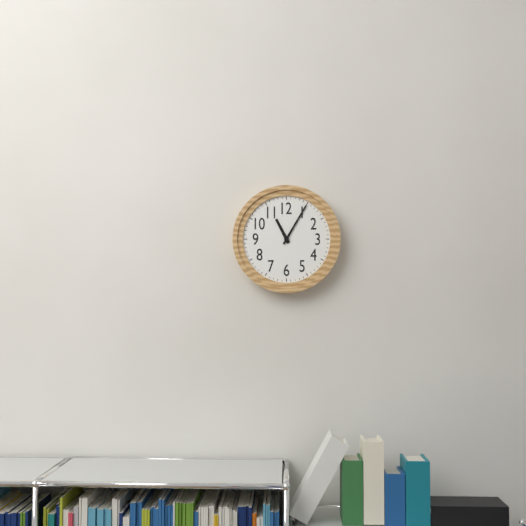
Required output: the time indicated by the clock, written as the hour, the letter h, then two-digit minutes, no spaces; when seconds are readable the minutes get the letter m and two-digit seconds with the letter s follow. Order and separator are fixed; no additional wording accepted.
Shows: 11h05
